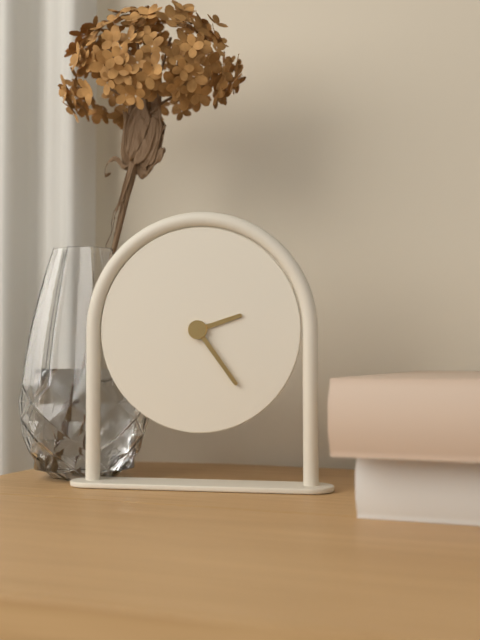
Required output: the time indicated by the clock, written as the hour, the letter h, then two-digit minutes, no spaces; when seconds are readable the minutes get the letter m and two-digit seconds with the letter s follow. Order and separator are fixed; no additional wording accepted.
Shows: 2h24
